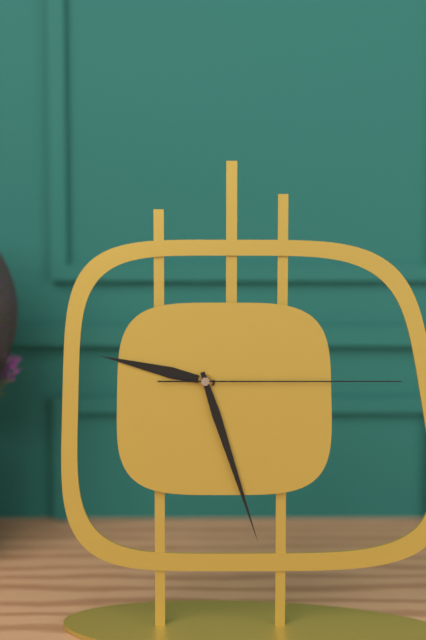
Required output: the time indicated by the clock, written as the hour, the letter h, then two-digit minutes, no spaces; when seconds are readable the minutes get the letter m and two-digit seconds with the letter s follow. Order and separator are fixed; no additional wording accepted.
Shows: 9h27m15s
